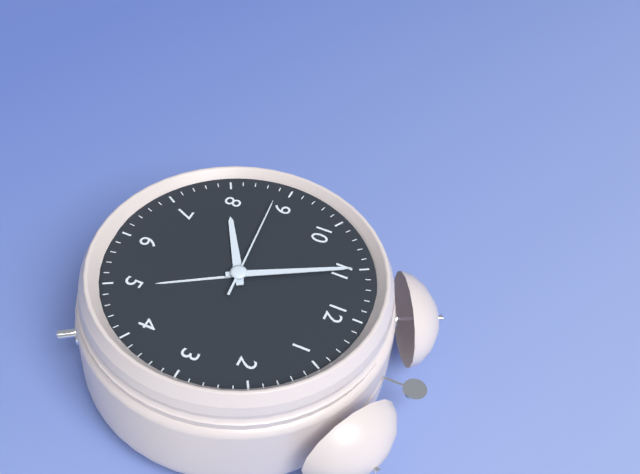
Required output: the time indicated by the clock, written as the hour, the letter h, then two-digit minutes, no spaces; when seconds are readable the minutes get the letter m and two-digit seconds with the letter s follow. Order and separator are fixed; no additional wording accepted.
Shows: 7h55m44s
